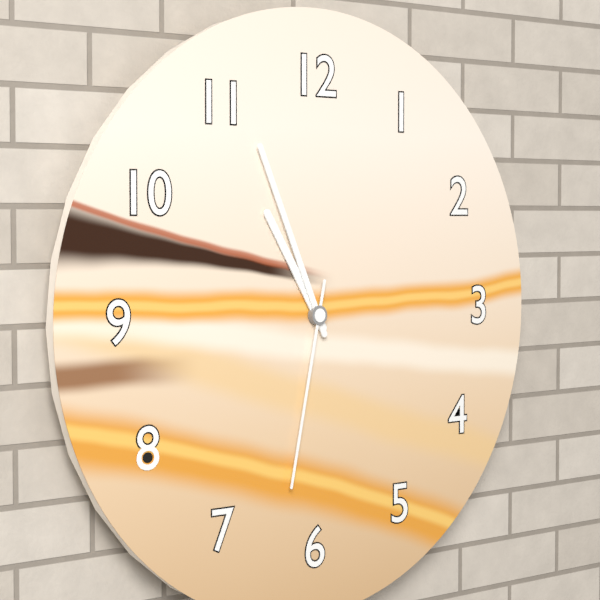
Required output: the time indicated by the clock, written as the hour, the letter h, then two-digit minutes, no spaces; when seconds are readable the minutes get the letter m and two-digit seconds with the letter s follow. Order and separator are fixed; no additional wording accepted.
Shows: 10h56m32s
